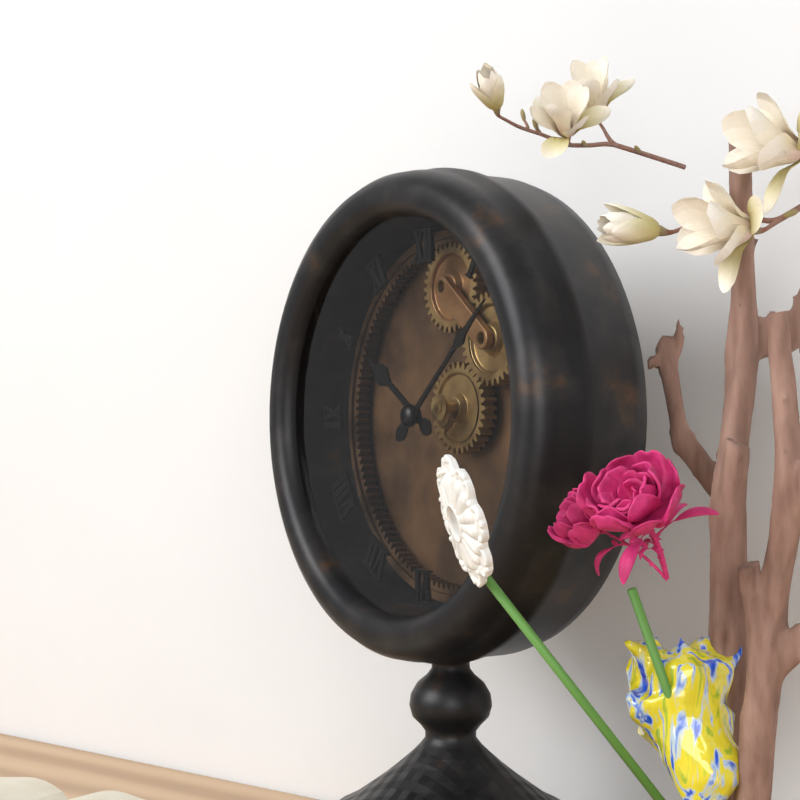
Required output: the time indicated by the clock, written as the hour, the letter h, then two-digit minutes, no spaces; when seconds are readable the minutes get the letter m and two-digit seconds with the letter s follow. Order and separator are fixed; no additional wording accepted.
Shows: 10h08
